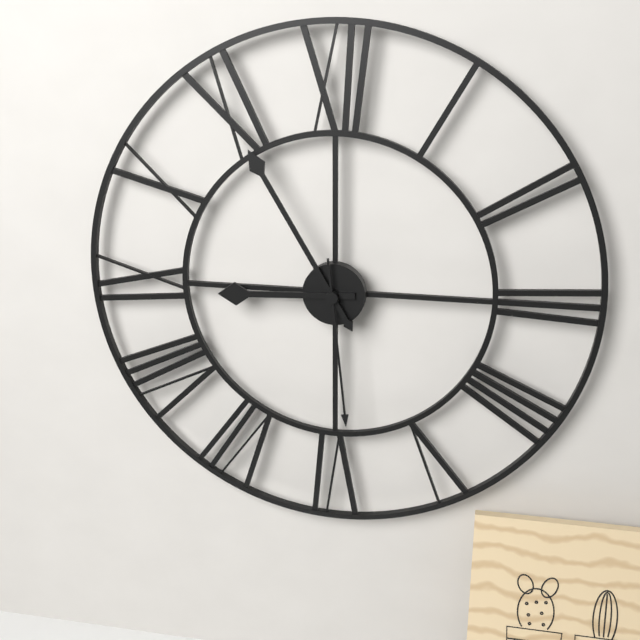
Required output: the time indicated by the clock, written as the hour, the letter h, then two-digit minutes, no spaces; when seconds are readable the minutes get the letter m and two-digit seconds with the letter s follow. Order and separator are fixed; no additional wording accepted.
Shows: 8h55m29s
